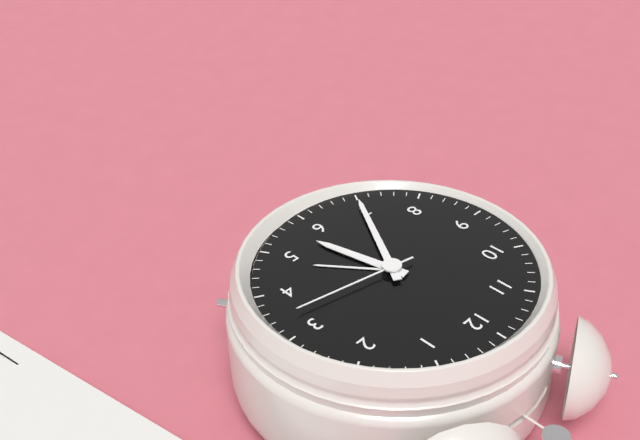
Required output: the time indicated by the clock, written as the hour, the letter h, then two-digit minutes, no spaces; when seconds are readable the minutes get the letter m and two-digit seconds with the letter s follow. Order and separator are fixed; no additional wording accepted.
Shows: 5h35m17s
